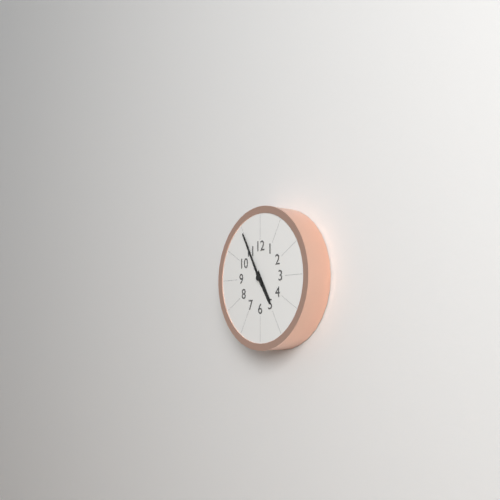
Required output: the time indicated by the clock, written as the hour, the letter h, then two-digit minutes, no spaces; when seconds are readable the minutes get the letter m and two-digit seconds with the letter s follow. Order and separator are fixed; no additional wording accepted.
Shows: 4h55
